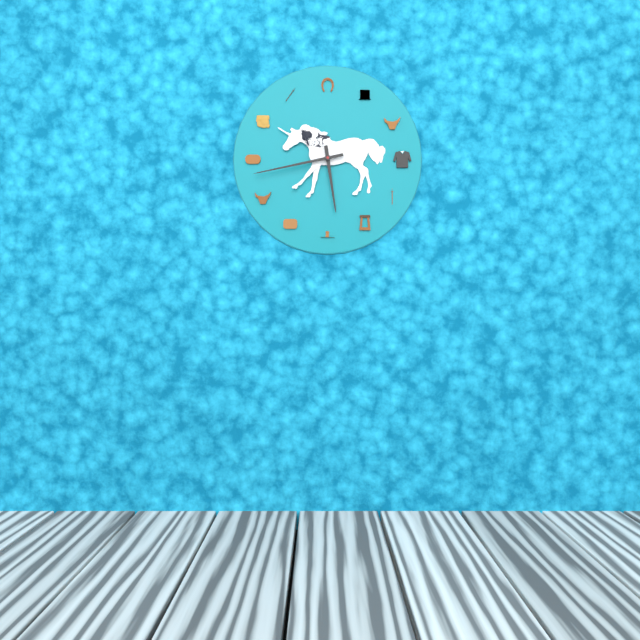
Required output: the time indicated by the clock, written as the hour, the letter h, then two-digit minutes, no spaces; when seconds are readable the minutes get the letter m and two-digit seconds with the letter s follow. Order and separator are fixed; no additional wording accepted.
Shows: 5h43
